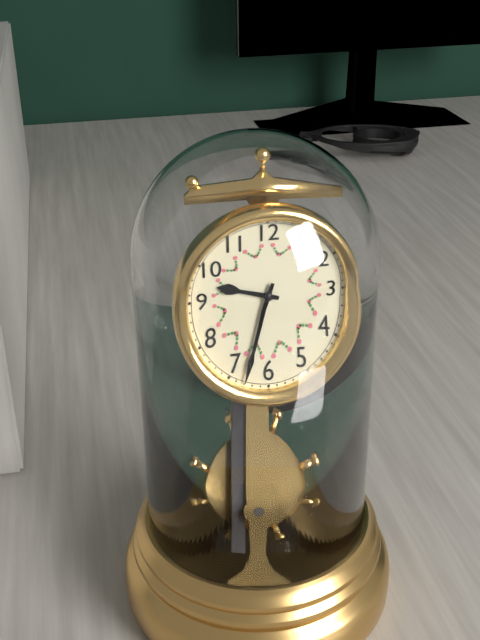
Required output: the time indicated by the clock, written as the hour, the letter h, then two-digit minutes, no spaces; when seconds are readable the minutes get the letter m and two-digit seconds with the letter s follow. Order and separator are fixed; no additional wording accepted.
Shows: 9h33
